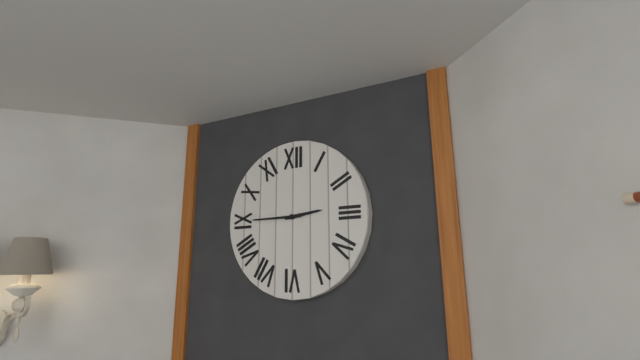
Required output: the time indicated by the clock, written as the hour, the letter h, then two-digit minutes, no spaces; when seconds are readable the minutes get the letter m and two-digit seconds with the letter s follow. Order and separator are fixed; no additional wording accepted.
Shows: 2h45
